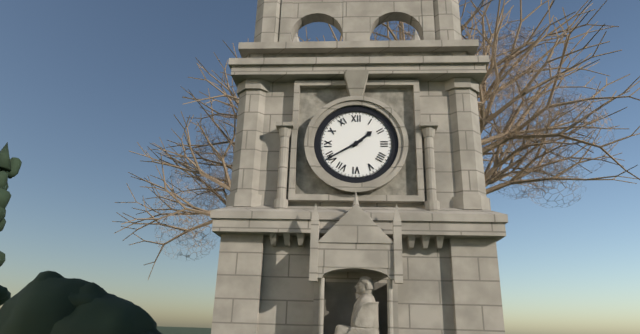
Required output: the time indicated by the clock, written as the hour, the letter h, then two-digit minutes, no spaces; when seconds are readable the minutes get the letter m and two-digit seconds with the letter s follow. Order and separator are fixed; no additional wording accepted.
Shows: 1h40
